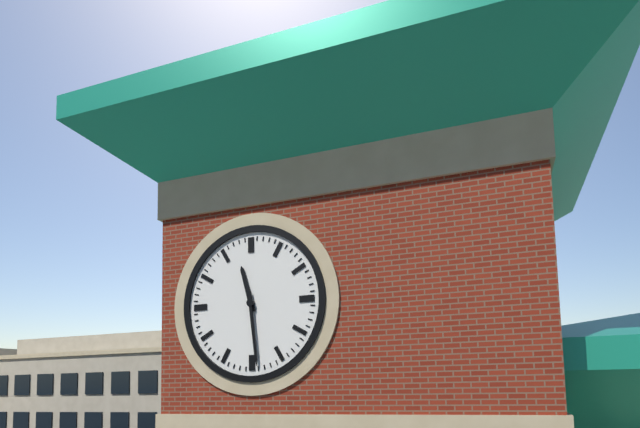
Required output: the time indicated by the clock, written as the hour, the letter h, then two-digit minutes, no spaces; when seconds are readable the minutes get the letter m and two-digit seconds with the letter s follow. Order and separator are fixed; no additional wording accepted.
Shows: 11h29
